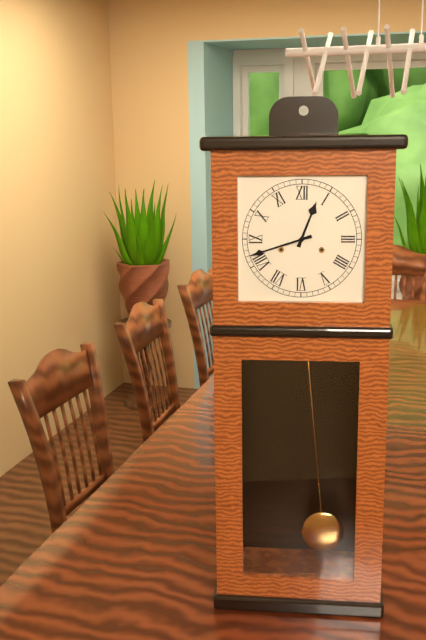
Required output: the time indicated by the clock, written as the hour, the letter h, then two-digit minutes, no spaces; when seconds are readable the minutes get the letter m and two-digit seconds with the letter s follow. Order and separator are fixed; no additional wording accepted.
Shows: 12h42
